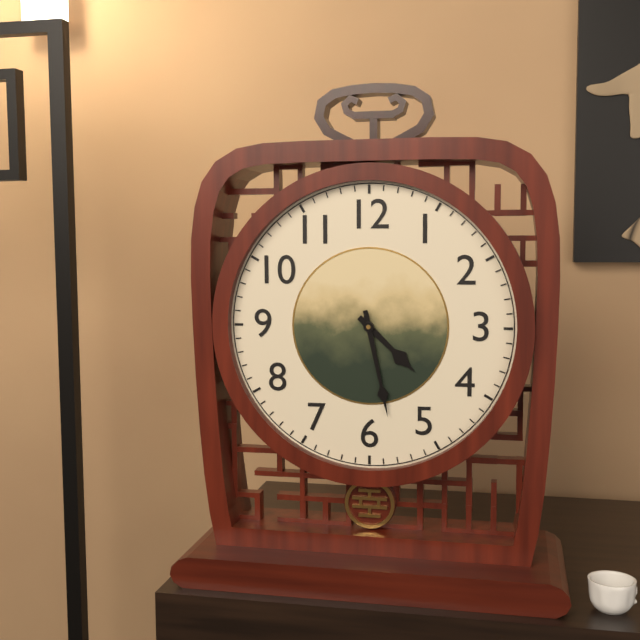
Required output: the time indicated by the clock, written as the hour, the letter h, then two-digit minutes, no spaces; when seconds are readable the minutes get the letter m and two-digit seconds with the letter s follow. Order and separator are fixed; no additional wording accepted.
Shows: 4h28
